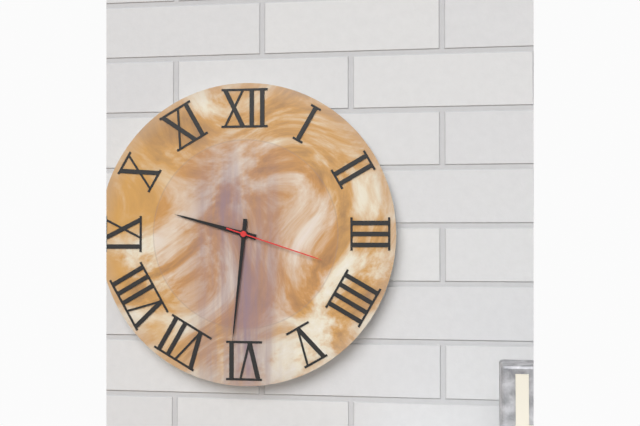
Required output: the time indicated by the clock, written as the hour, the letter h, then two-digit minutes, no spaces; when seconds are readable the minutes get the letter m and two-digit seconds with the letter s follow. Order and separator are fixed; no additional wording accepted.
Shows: 9h31m18s
